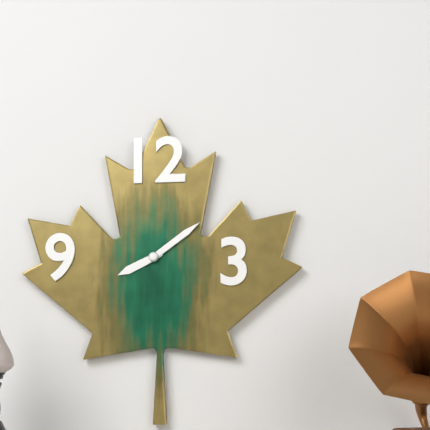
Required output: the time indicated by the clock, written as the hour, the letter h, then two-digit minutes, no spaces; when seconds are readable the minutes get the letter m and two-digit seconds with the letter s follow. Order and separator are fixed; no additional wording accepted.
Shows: 8h09
